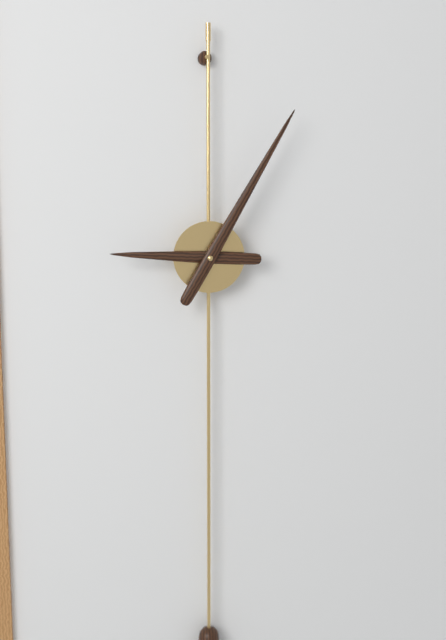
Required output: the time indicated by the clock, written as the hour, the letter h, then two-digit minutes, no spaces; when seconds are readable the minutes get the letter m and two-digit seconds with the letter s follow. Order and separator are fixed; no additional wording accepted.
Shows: 9h05
